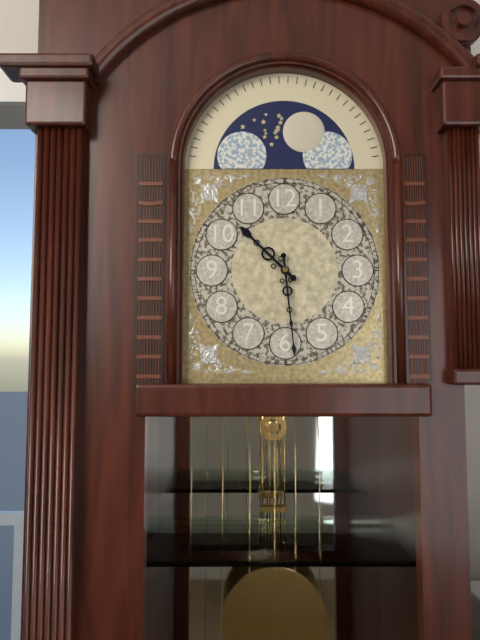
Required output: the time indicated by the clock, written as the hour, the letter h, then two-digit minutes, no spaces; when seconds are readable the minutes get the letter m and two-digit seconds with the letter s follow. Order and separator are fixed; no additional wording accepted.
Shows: 10h29
